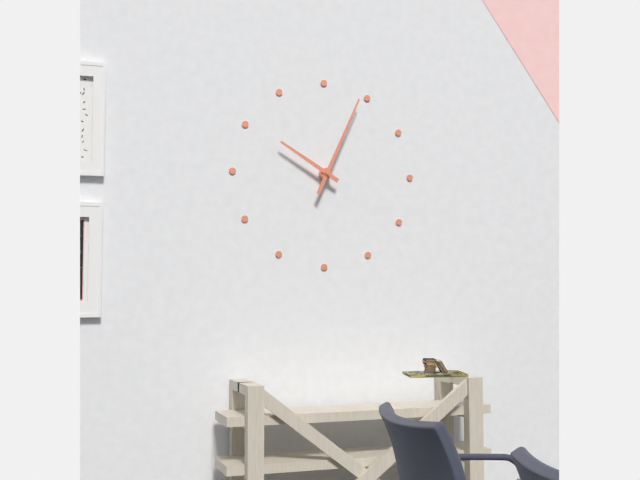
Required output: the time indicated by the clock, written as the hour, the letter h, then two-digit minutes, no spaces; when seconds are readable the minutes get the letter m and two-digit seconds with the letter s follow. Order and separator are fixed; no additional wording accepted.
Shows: 10h04
